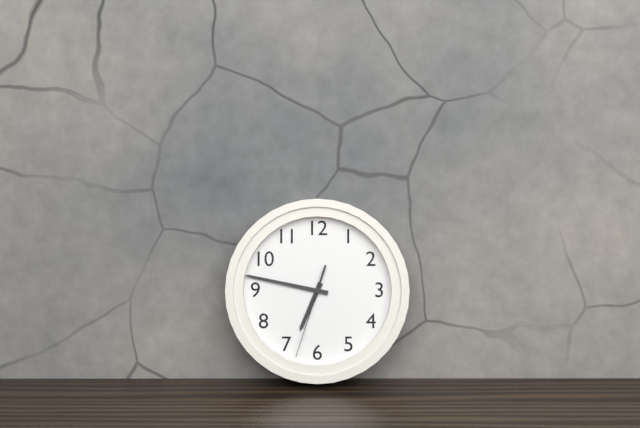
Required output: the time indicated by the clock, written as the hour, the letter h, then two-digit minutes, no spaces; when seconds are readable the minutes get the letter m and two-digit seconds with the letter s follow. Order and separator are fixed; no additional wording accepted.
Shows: 6h47m33s
